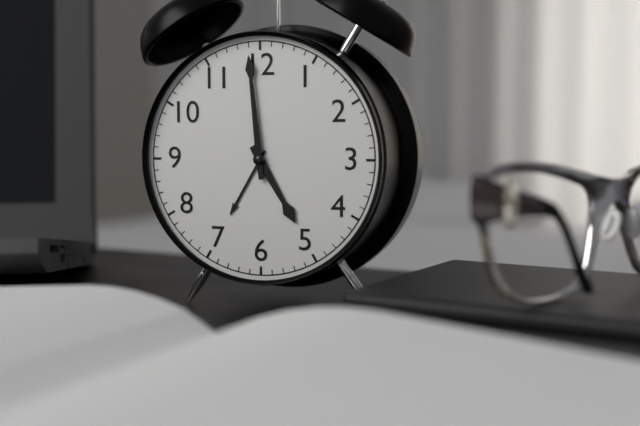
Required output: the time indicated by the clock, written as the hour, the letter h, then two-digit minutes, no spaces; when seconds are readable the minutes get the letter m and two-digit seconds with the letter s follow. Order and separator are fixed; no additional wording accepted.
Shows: 4h59
